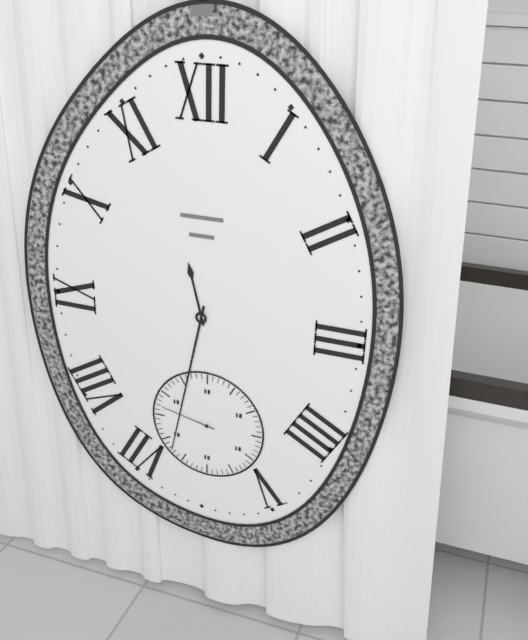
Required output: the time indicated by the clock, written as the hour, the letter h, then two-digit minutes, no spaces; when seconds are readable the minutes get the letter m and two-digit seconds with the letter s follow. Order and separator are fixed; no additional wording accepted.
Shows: 11h32m47s
